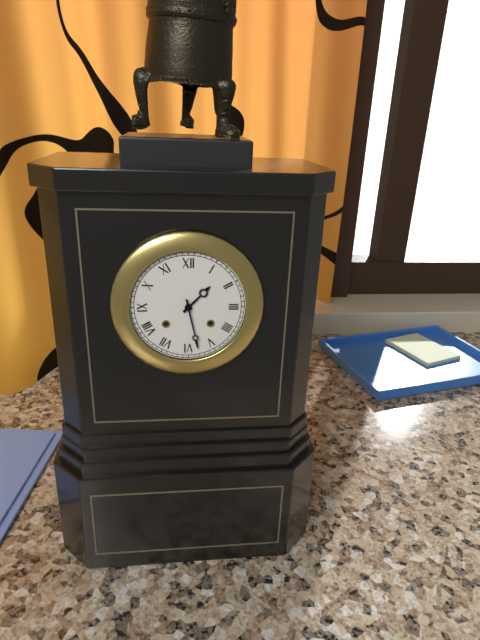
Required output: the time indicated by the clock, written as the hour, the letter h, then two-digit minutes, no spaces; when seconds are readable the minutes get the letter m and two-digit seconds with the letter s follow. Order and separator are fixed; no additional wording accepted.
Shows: 1h28
